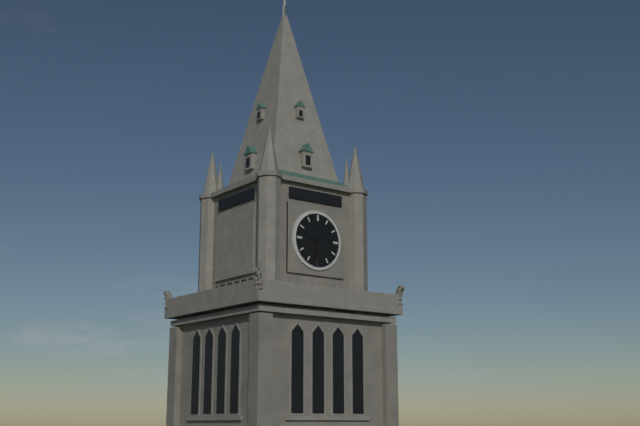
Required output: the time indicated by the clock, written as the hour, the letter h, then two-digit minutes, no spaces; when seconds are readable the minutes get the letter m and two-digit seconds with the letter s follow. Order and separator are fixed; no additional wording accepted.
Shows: 9h32
